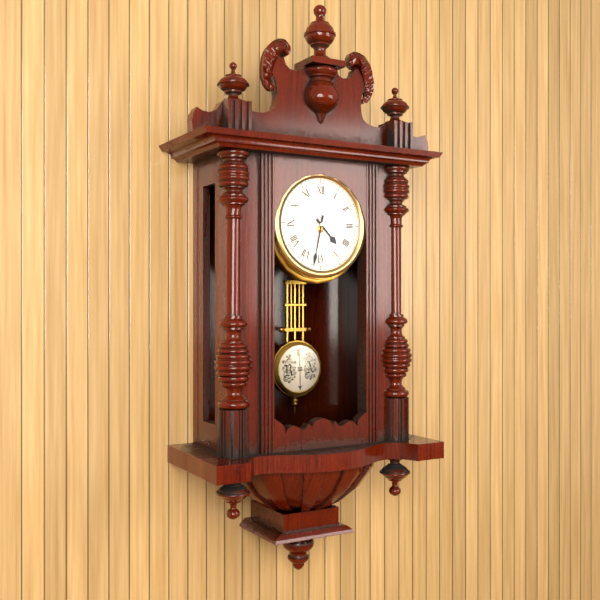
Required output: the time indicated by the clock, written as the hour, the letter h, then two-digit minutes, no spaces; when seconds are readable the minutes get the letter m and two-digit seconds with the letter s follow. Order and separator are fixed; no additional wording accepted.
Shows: 4h32
